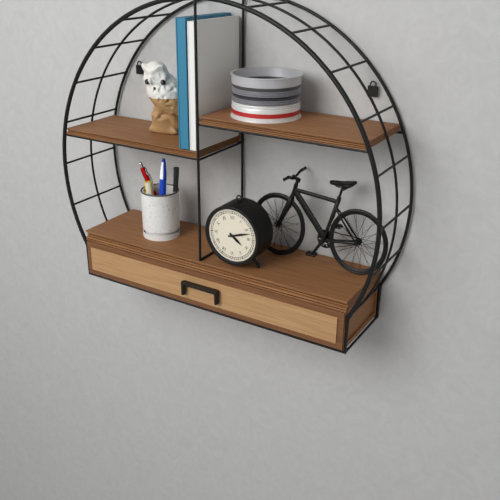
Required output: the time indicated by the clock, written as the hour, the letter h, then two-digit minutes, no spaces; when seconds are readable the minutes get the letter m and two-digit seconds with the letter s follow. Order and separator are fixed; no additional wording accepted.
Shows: 4h12
